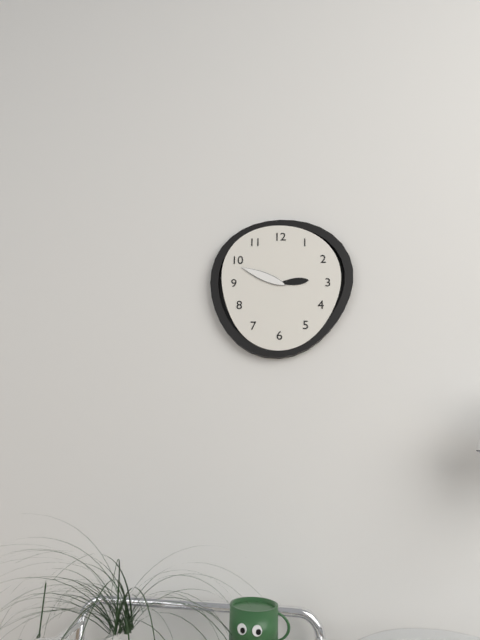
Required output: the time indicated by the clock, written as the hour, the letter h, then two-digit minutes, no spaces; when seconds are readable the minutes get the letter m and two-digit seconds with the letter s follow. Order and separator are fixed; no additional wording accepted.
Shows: 2h49
